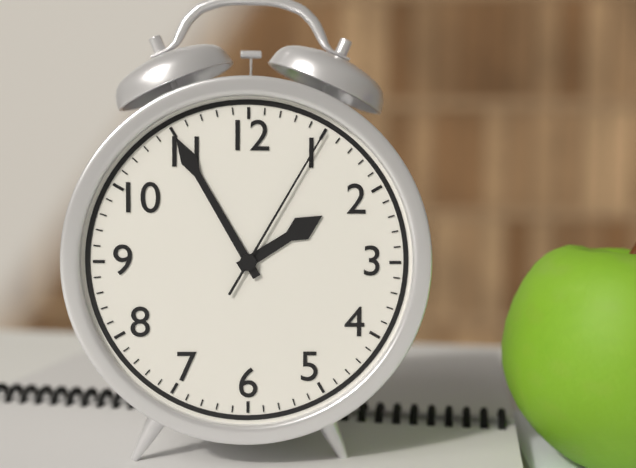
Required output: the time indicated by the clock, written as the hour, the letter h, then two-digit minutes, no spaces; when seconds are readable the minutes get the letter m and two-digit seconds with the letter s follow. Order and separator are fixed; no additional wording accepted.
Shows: 1h55m05s
